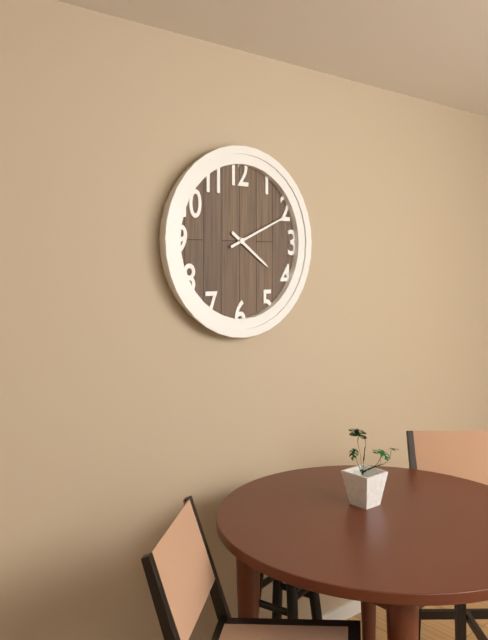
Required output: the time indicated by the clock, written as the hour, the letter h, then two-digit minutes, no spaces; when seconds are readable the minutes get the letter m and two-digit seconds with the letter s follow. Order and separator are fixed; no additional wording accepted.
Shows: 4h11
